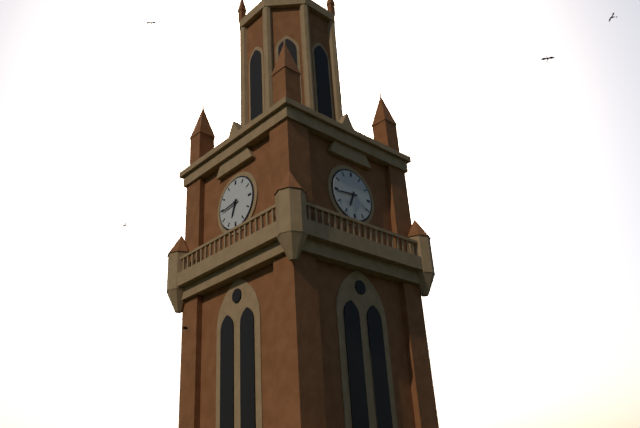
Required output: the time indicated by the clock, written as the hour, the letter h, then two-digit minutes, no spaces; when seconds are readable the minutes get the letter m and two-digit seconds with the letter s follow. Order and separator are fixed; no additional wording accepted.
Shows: 6h44
